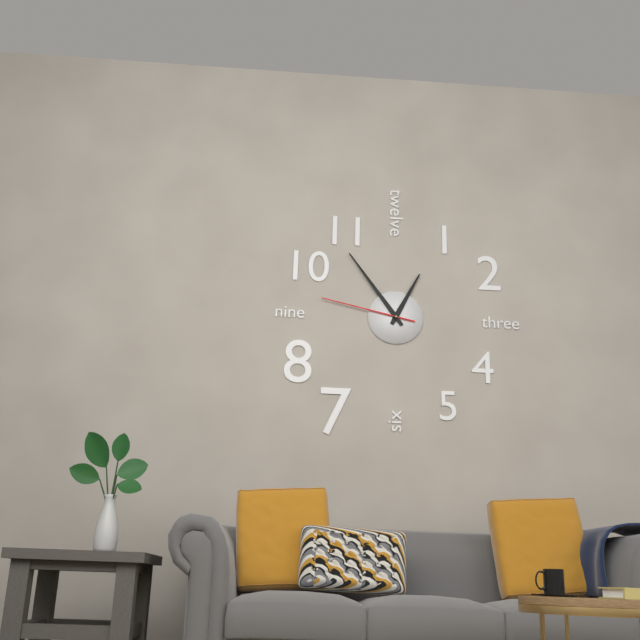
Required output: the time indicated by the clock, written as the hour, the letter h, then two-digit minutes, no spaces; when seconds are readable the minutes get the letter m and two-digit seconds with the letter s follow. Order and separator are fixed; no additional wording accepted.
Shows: 12h54m47s
